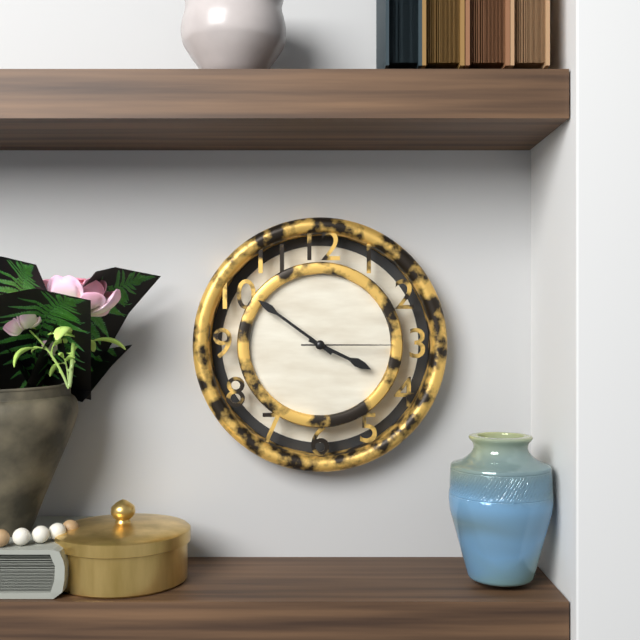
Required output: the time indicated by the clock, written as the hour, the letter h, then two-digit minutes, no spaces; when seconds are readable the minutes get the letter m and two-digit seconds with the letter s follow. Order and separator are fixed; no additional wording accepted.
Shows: 3h51m15s
